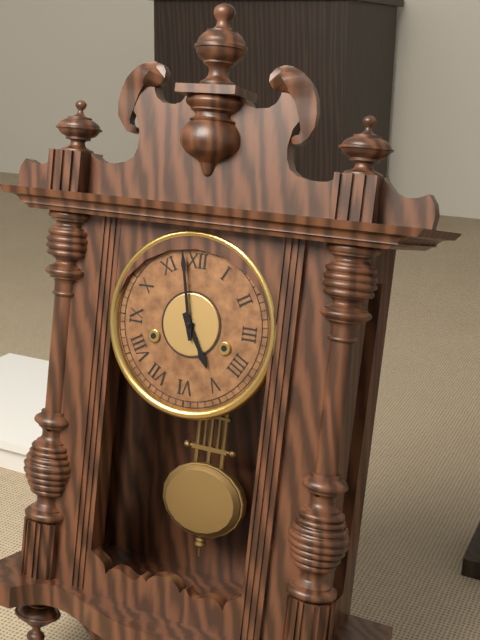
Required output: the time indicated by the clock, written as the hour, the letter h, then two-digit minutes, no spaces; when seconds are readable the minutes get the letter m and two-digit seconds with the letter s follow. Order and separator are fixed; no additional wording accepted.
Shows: 4h58
